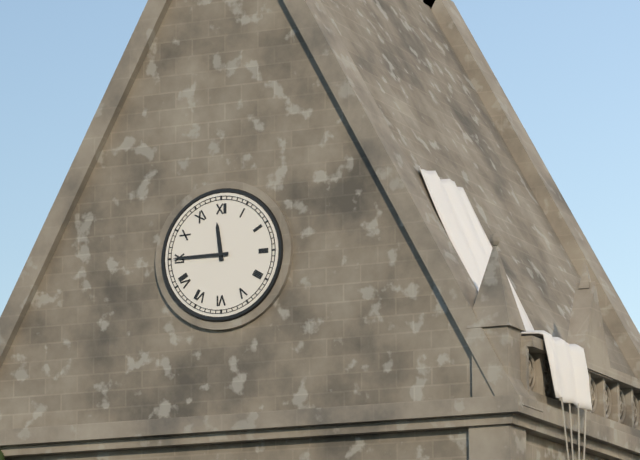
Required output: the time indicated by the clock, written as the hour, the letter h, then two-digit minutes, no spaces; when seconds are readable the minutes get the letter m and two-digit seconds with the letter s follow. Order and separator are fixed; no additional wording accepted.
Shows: 11h45
